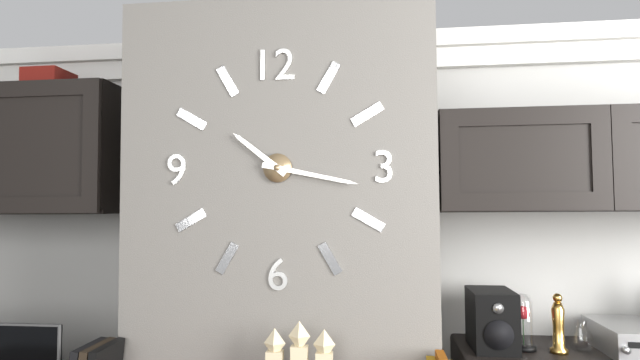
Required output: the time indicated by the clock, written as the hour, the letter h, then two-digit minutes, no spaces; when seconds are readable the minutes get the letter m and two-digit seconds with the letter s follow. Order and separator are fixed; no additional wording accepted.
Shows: 10h17
